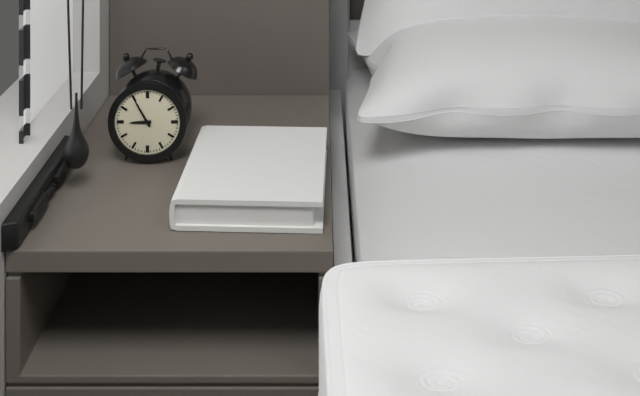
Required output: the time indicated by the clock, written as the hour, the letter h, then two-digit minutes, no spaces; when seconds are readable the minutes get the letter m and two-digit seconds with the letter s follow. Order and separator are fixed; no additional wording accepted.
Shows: 8h55
